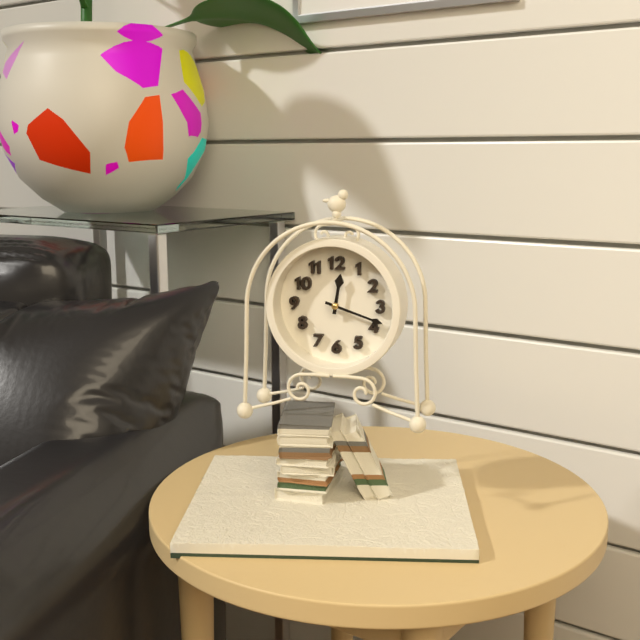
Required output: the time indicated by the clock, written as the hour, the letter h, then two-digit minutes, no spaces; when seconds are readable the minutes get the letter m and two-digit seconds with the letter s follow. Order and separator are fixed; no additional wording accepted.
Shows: 12h18
